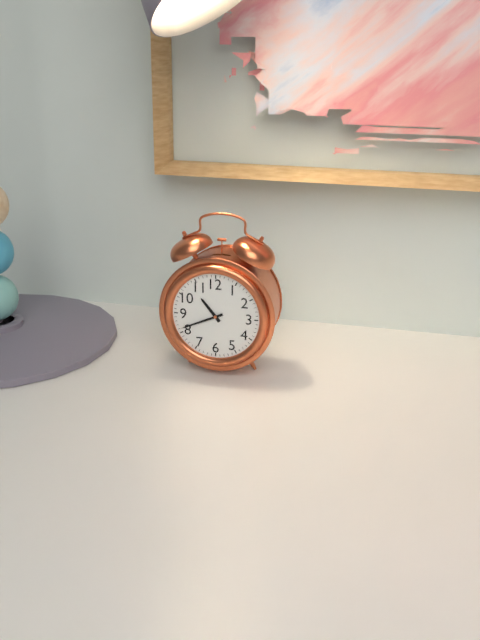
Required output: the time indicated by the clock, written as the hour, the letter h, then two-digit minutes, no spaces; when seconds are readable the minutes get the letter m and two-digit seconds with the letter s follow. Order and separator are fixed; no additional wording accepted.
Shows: 10h41
